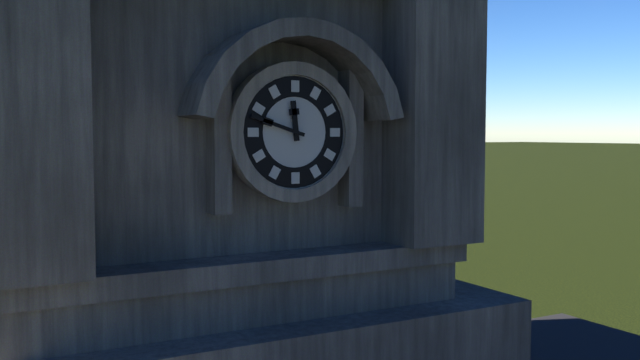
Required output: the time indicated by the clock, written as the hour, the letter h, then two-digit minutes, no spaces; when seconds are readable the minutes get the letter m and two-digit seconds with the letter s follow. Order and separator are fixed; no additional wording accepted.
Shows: 11h48
